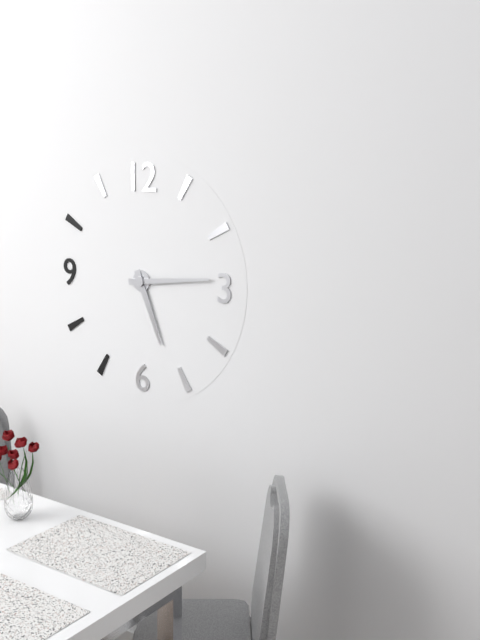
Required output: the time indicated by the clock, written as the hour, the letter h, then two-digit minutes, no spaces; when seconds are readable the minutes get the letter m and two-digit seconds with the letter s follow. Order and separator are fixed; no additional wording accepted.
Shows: 5h14
